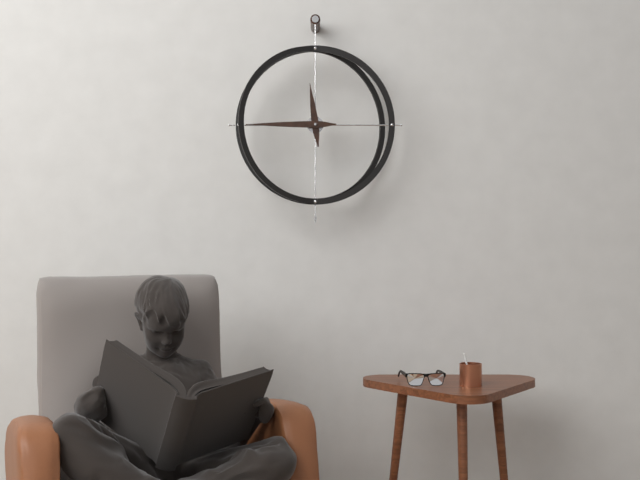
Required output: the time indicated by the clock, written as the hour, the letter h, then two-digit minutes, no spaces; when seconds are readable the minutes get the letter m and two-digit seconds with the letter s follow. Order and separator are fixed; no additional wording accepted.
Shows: 11h45
